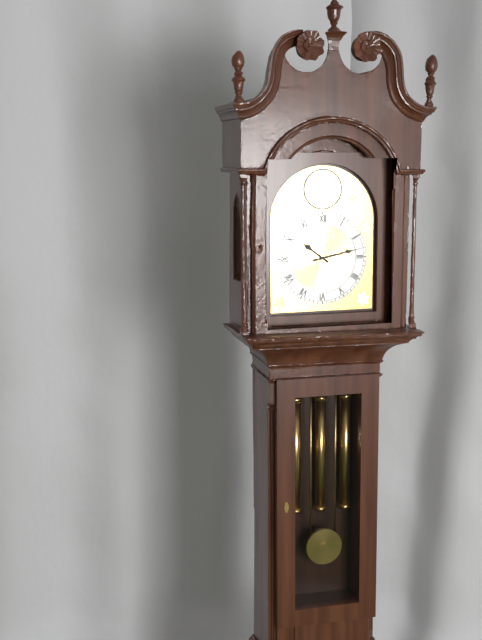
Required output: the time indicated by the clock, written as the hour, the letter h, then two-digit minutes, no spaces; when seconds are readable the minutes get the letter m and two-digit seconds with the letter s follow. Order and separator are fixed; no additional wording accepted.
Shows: 10h13
